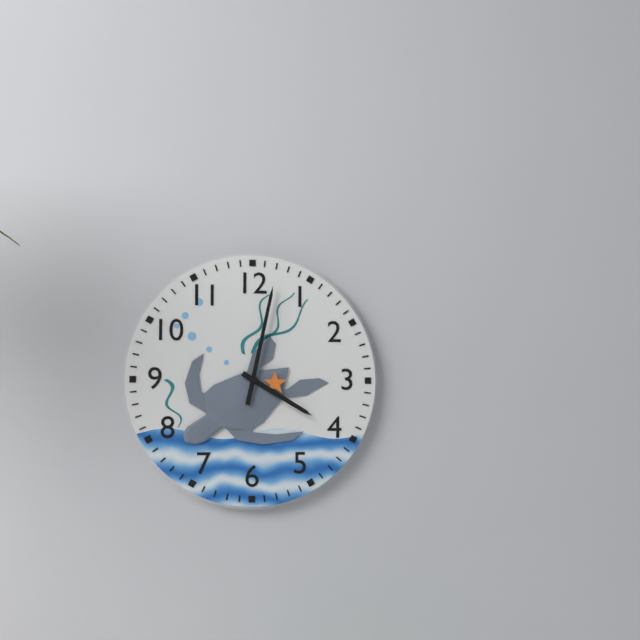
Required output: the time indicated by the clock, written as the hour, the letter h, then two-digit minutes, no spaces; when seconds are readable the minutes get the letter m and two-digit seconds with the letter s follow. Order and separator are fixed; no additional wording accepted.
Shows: 4h02
